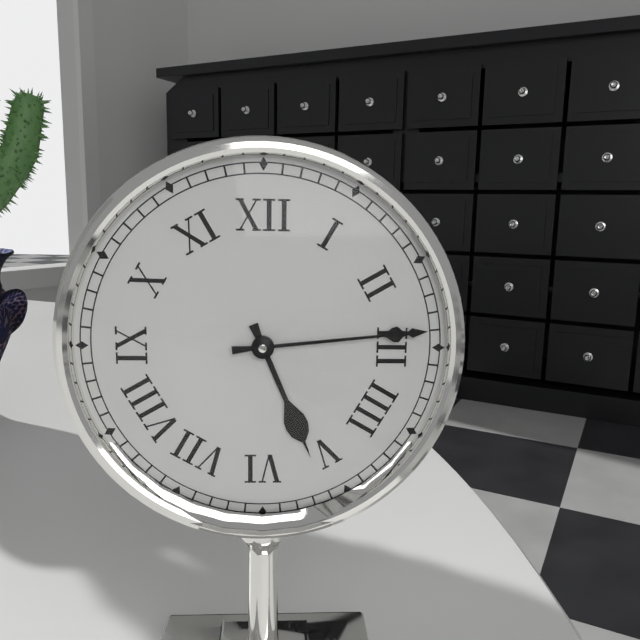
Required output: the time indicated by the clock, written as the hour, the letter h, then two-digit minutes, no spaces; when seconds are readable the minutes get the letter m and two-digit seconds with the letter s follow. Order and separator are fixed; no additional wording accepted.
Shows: 5h14
